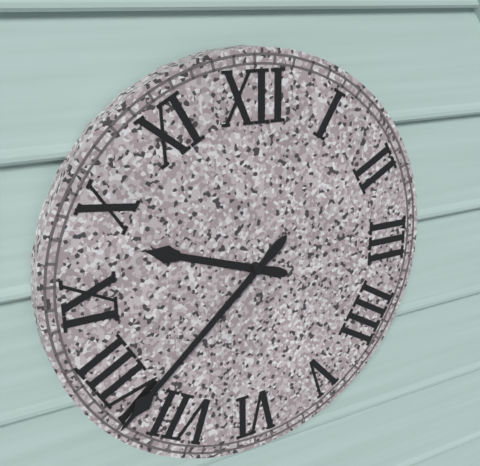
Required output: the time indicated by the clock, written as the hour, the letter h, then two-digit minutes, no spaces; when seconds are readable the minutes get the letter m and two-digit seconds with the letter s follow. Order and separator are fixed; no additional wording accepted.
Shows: 9h38
